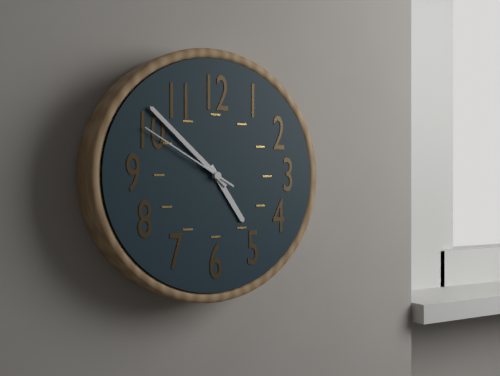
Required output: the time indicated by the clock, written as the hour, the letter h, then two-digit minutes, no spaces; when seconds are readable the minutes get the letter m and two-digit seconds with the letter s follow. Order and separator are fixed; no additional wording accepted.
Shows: 4h52m50s
